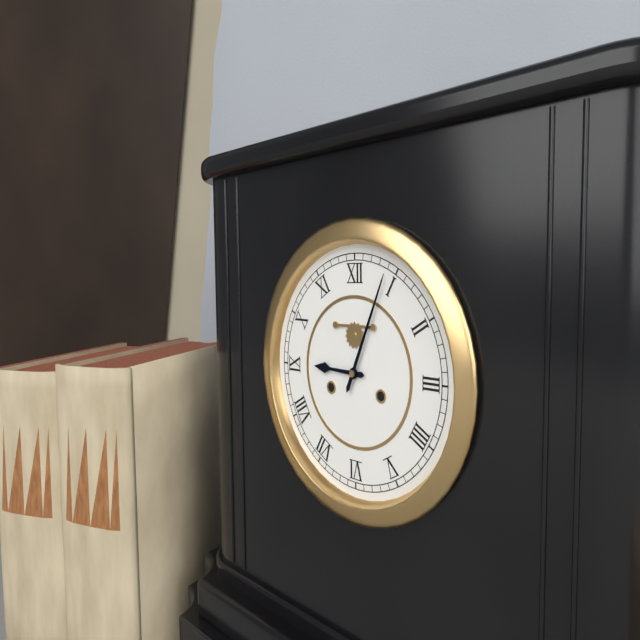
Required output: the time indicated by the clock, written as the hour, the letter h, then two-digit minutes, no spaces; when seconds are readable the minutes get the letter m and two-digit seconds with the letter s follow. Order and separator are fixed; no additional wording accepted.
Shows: 9h04
